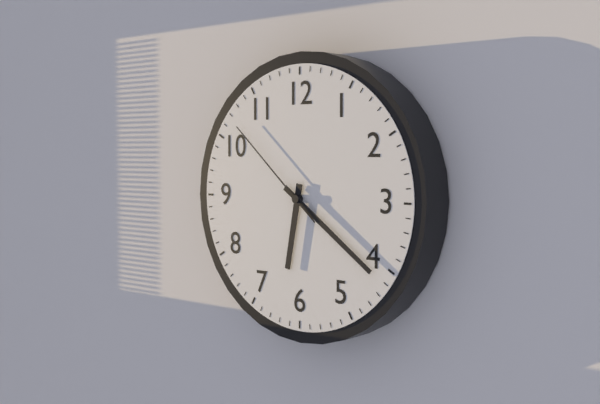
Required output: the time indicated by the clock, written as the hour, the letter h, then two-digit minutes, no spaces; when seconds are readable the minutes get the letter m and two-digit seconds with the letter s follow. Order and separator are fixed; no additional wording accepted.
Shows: 6h21m52s
